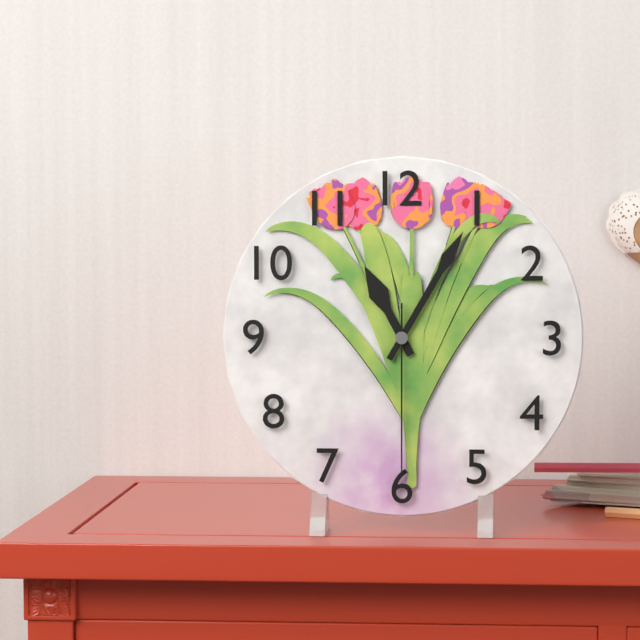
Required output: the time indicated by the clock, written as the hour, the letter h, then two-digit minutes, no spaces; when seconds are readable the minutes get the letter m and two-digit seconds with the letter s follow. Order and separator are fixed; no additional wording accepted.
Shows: 11h05m30s
